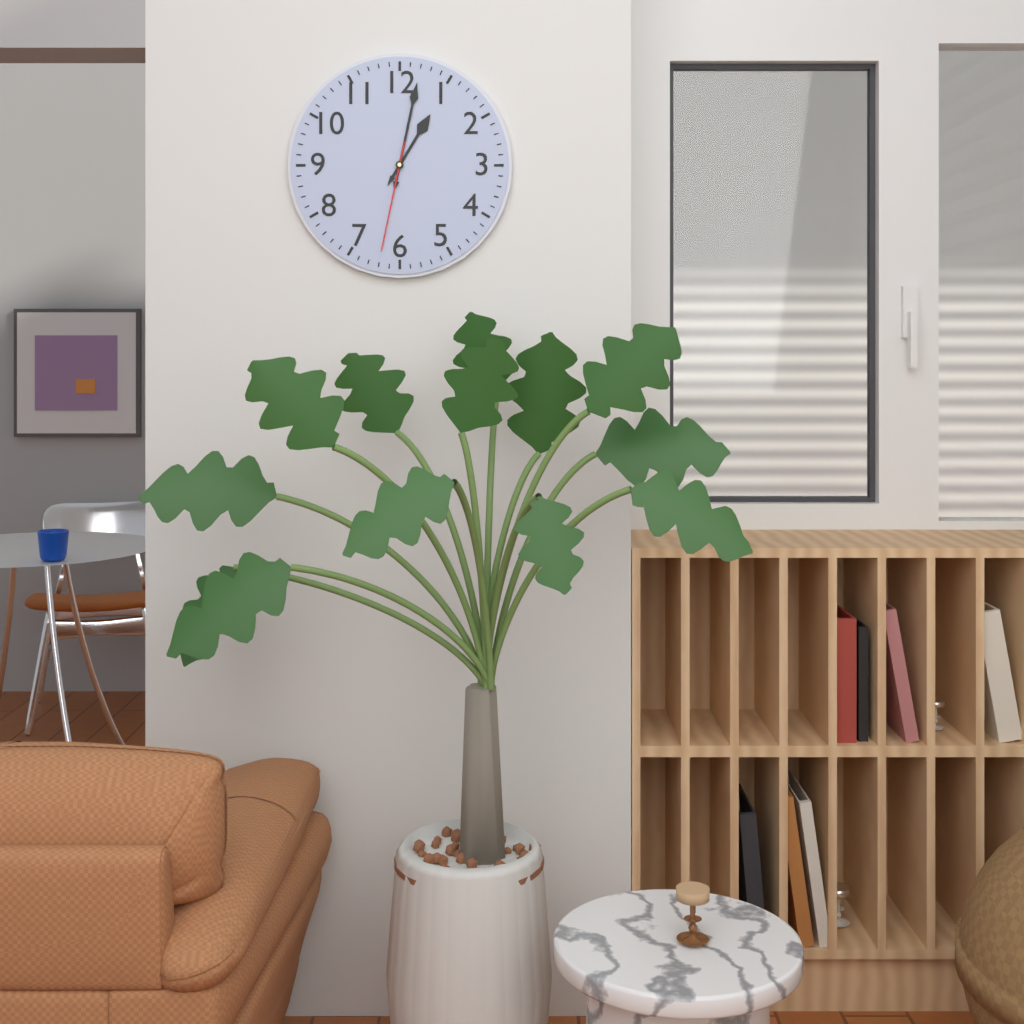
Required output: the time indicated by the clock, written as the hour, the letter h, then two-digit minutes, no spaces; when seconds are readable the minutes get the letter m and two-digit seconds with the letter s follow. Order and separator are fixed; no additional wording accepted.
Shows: 1h02m32s
